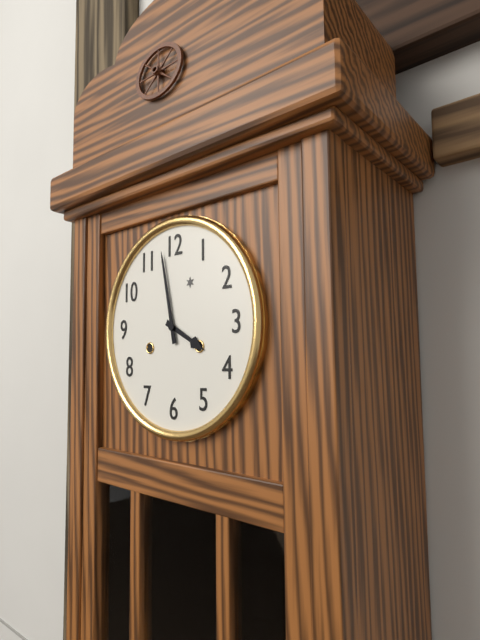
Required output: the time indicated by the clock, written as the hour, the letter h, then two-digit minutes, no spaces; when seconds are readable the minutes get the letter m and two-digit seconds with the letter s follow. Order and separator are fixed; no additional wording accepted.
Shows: 3h58
